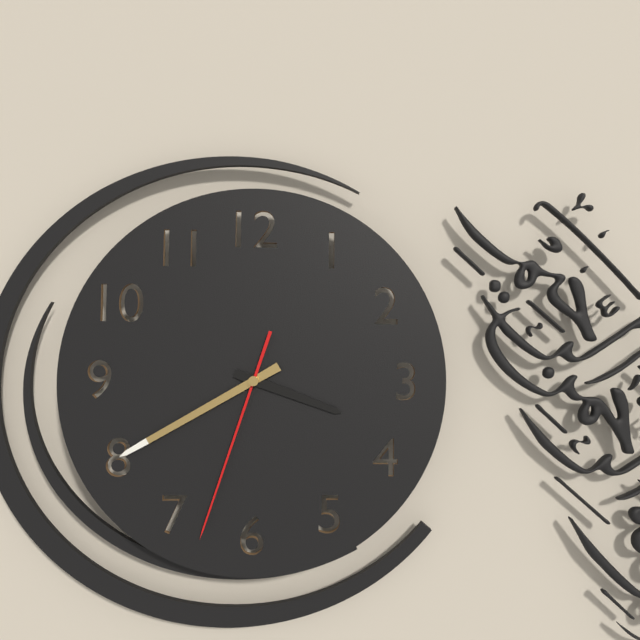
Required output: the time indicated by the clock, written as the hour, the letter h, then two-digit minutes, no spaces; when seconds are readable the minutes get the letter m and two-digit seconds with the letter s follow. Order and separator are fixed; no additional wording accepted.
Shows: 3h40m33s
